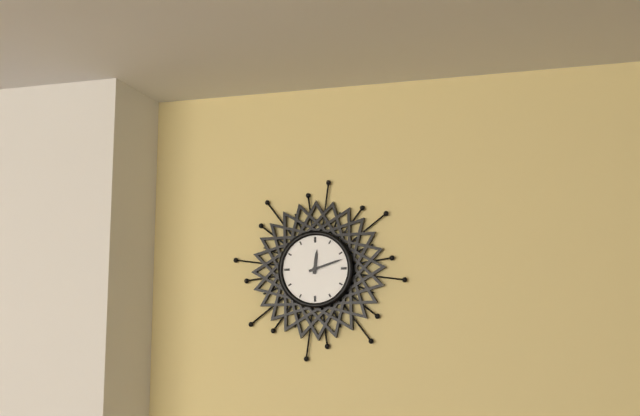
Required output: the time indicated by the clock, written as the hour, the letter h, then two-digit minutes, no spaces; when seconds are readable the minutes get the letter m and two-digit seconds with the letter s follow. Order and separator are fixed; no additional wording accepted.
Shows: 12h12
